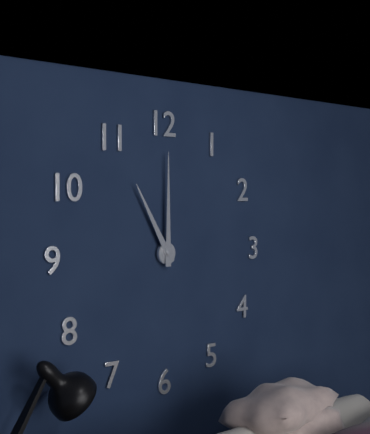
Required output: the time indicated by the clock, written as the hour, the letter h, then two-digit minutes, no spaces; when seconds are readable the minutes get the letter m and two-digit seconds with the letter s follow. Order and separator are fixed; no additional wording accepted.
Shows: 11h00
